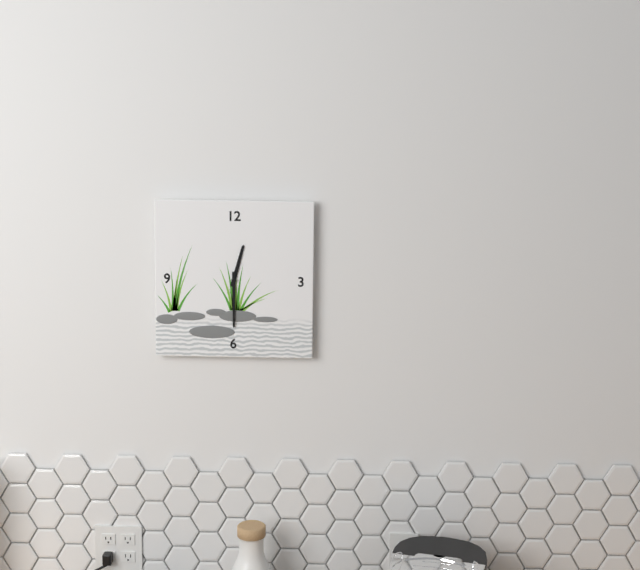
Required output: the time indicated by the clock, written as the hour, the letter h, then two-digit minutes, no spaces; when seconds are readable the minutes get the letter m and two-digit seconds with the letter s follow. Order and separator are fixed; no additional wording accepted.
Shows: 12h30
